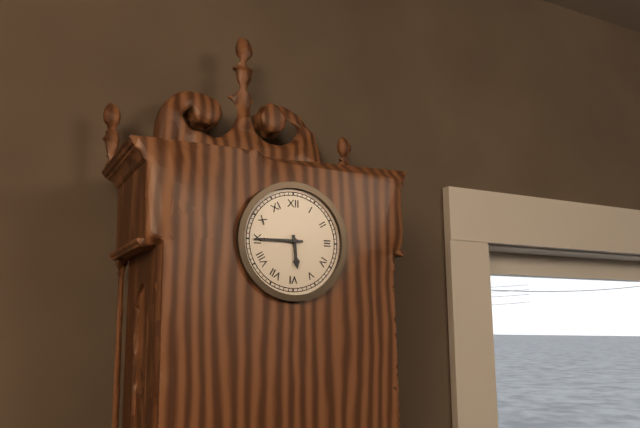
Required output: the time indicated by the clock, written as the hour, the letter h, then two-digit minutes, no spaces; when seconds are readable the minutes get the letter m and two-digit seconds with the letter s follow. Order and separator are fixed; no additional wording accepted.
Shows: 5h45
